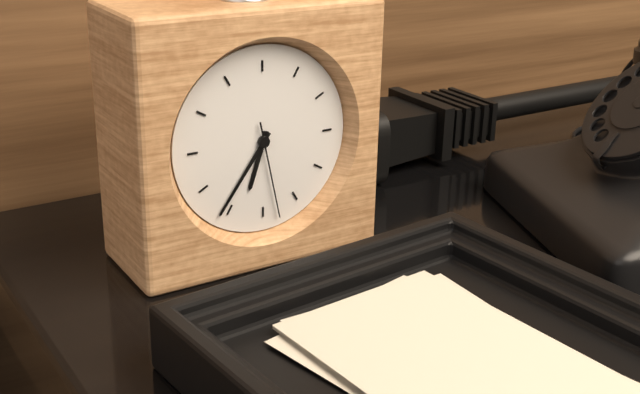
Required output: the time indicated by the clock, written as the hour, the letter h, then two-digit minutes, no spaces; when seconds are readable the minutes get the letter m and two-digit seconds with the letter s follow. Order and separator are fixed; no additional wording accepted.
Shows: 6h36m28s
